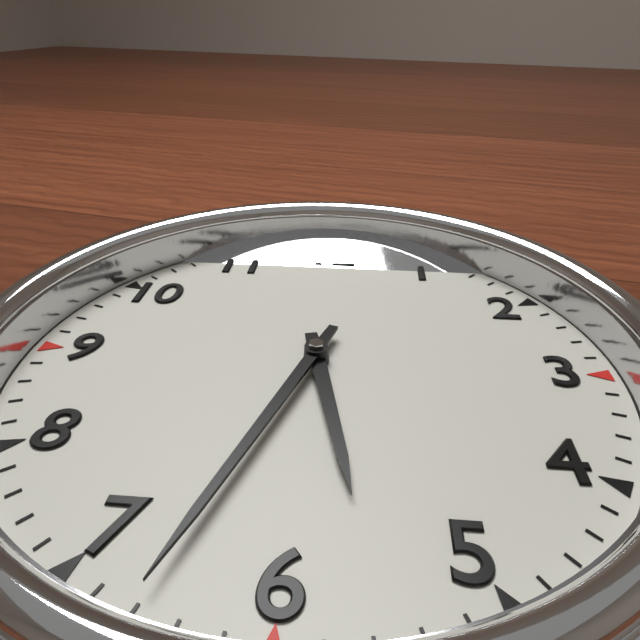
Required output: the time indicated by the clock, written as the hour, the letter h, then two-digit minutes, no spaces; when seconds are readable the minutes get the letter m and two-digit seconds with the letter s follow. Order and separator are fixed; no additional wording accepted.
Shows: 5h33
